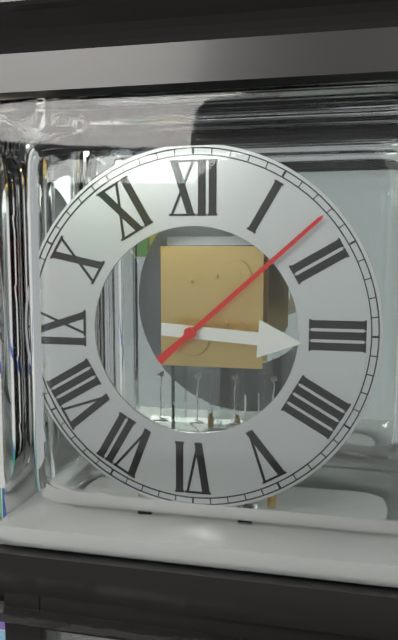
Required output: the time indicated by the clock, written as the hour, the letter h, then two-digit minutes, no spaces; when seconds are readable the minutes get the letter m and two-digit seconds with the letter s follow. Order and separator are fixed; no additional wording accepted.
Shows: 3h08
